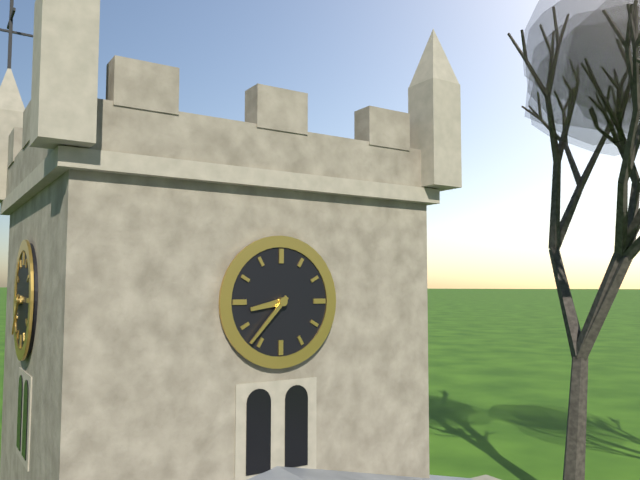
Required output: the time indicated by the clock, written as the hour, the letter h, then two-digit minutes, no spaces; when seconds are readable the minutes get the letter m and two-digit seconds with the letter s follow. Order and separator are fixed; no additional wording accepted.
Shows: 8h37
